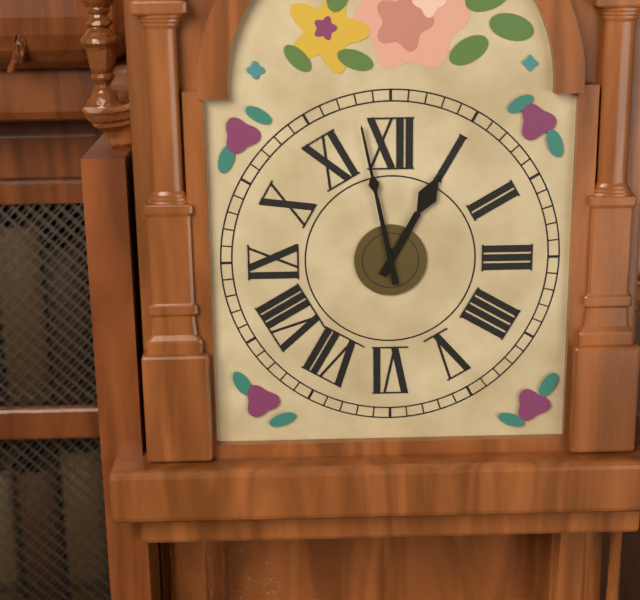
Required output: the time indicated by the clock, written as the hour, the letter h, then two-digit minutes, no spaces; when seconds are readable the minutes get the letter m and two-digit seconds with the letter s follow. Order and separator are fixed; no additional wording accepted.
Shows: 12h58
